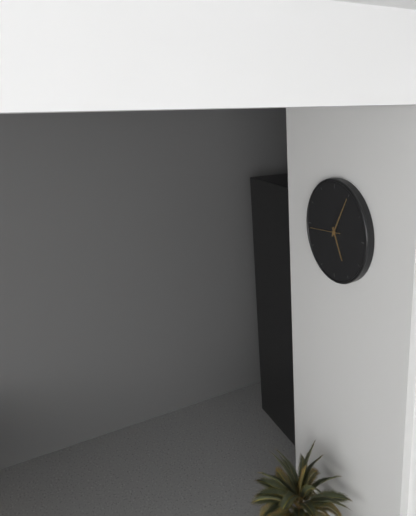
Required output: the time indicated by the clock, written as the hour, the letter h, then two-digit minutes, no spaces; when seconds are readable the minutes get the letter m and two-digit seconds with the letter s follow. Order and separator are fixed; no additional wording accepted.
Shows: 5h05
